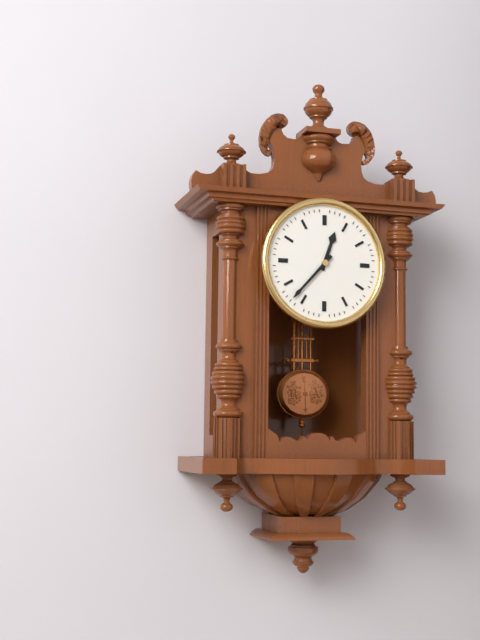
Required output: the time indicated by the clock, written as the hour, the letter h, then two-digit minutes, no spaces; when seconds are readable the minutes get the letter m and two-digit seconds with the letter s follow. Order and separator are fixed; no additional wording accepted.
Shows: 12h37
